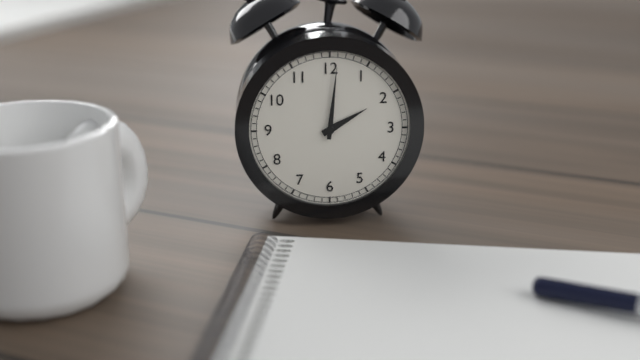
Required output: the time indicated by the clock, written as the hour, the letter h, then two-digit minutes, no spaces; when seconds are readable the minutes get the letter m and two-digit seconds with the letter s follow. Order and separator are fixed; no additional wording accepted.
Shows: 2h01
